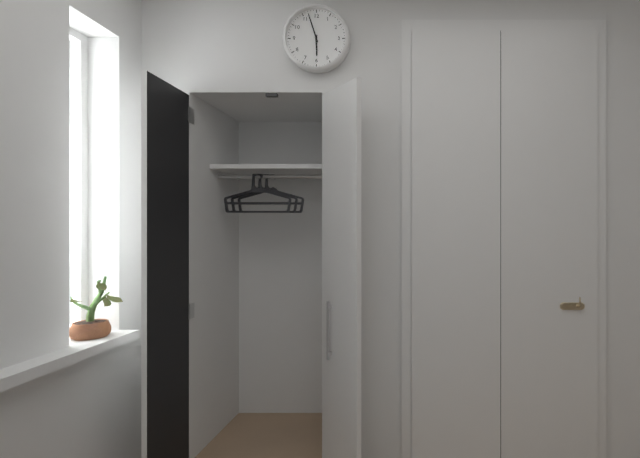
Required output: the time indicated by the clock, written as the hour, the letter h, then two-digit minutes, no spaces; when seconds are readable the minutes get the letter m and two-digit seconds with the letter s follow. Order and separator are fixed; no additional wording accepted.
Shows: 5h57
